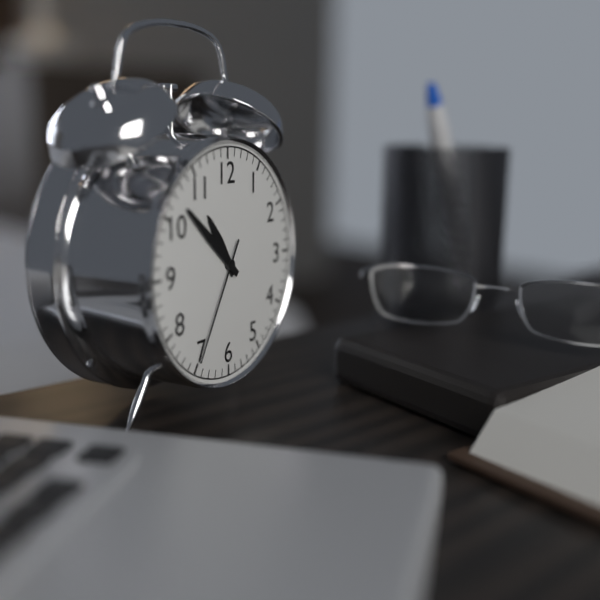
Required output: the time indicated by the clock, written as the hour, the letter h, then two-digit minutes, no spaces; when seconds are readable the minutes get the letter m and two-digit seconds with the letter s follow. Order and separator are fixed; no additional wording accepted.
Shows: 10h52m35s
